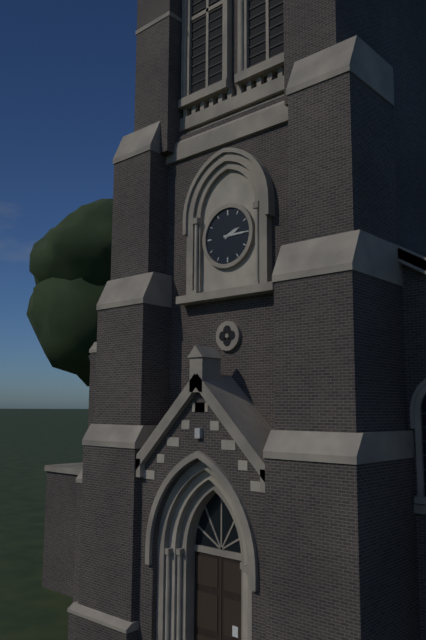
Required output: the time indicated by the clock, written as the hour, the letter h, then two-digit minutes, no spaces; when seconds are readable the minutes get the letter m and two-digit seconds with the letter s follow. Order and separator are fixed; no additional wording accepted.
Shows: 2h15
